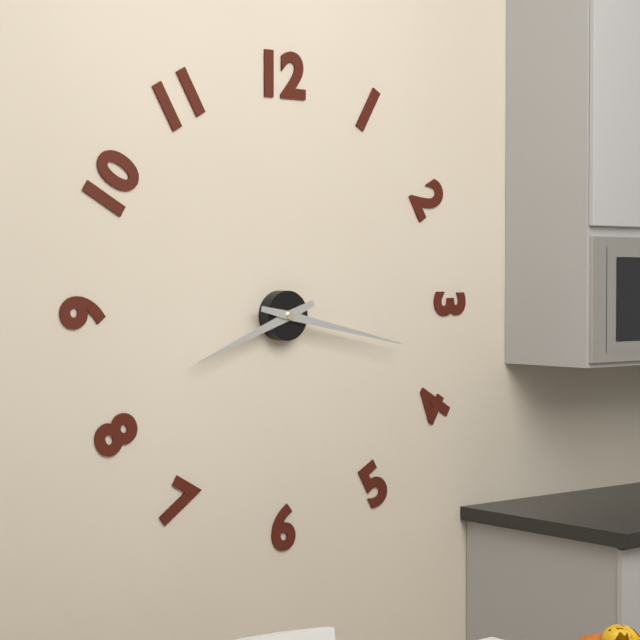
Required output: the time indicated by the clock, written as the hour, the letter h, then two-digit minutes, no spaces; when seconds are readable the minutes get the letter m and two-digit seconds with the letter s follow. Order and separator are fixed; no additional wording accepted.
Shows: 8h17
